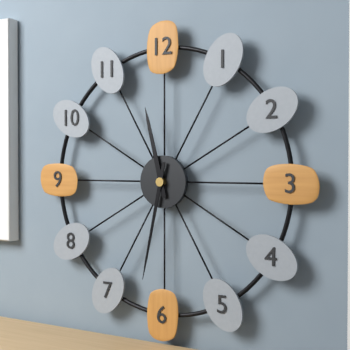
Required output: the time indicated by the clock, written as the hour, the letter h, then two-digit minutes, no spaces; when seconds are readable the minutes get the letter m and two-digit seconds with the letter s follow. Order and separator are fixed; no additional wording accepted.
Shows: 11h32
